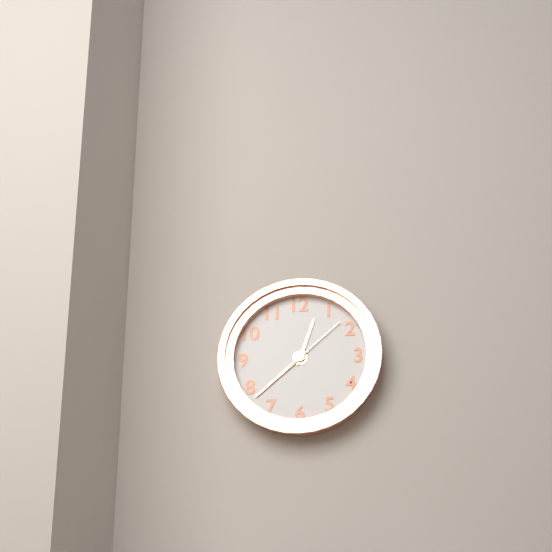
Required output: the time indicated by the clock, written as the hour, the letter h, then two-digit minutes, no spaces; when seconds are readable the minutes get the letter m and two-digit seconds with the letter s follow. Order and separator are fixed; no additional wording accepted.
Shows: 12h38m08s
